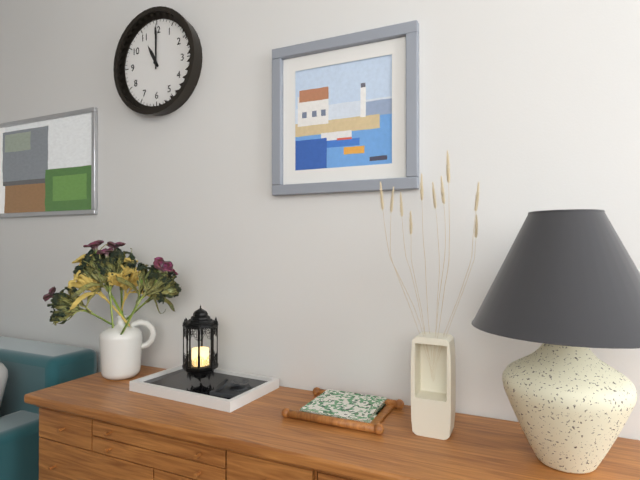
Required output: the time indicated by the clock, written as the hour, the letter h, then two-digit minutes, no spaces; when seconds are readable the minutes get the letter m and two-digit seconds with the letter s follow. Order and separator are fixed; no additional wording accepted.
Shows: 11h00
